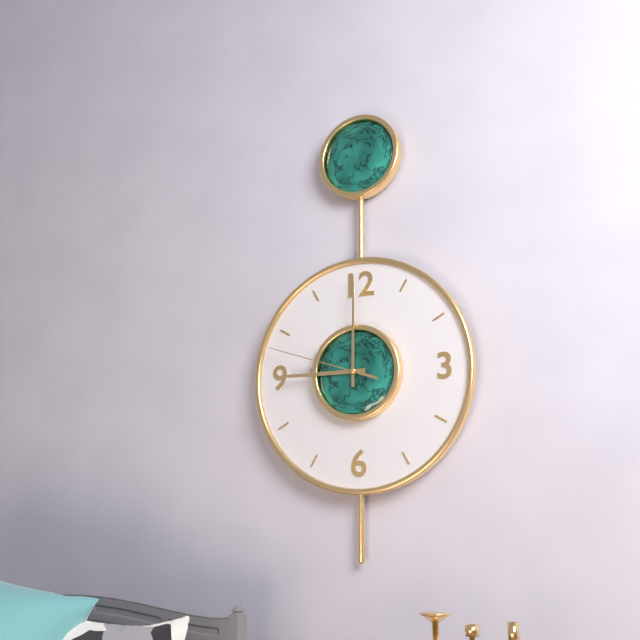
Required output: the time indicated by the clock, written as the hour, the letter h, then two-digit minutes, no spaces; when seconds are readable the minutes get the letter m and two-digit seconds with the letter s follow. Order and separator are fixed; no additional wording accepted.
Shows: 9h00m48s
